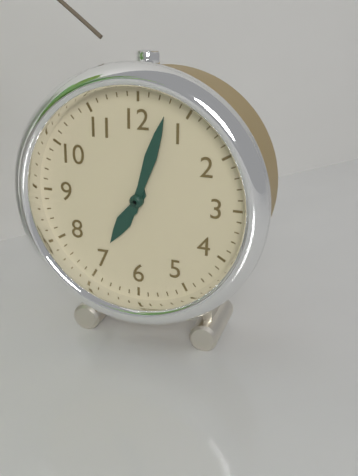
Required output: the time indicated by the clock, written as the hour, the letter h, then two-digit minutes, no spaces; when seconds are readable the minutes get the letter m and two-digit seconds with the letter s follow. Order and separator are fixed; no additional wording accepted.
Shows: 7h03
